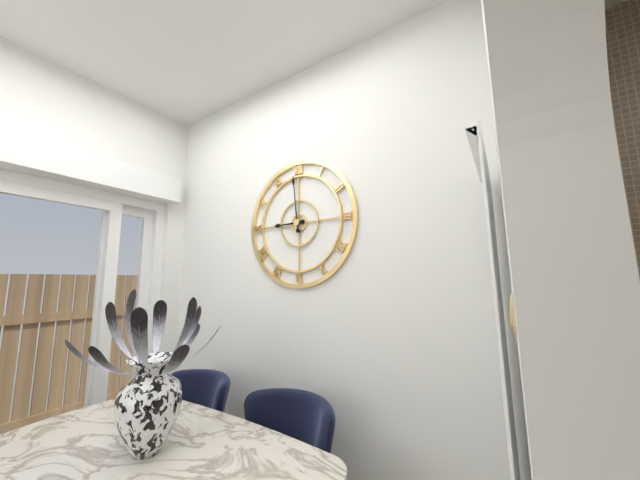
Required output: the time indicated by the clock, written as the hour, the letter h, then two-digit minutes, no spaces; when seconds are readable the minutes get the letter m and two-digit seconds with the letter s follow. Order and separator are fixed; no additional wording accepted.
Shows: 8h59
